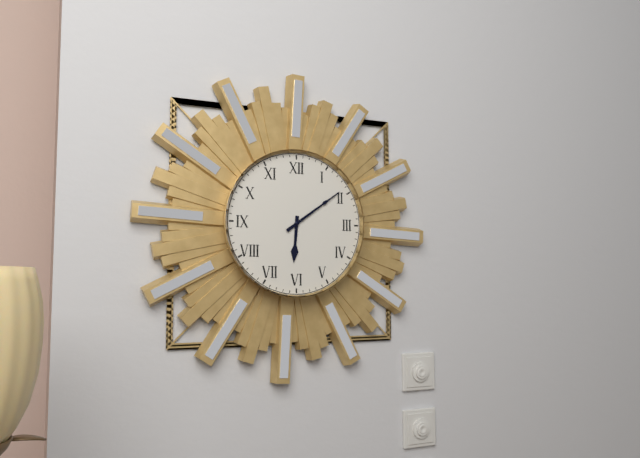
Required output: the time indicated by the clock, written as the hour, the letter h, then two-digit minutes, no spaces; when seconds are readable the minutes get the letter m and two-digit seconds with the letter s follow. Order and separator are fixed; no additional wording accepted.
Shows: 6h09
